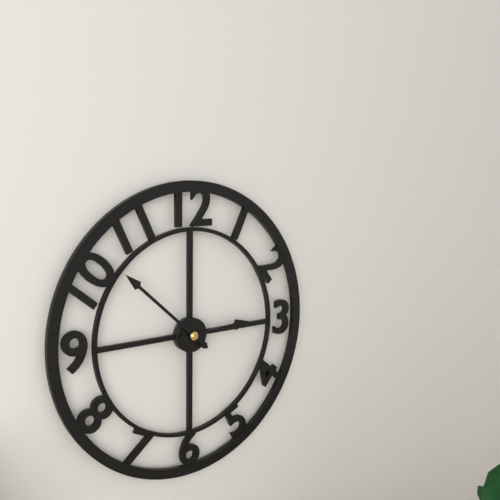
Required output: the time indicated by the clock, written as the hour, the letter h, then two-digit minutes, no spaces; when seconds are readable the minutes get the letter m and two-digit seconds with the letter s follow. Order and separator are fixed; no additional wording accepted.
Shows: 2h52
